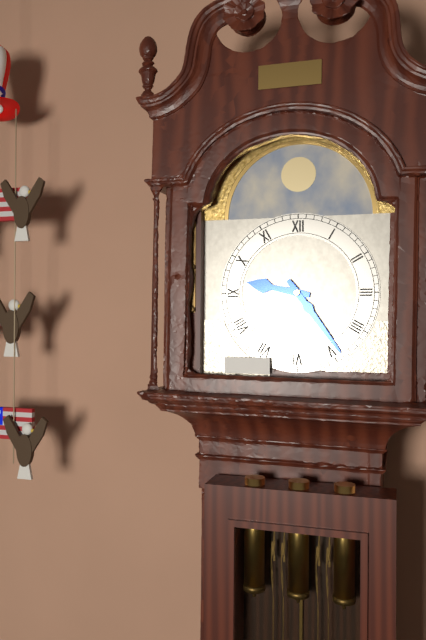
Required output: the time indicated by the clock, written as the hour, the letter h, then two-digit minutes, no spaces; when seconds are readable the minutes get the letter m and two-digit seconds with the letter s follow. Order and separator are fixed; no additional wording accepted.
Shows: 9h24
